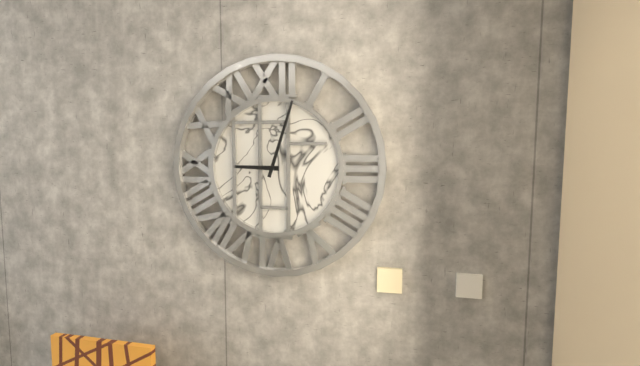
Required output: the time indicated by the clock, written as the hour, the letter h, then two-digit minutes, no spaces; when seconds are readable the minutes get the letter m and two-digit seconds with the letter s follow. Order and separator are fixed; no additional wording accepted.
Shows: 9h03
